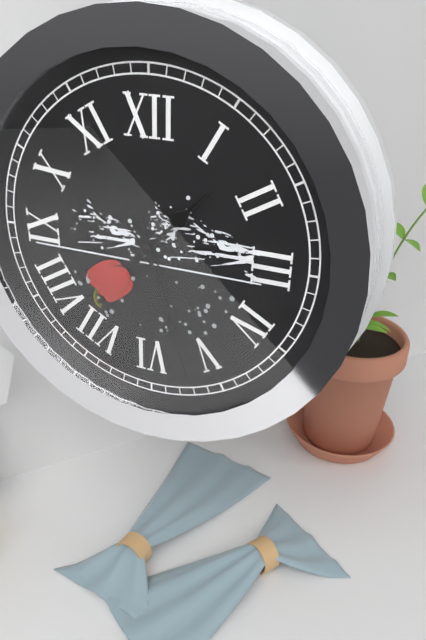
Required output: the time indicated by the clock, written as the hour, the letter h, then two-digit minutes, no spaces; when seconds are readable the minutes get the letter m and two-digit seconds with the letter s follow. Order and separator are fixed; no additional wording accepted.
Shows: 1h27m23s
